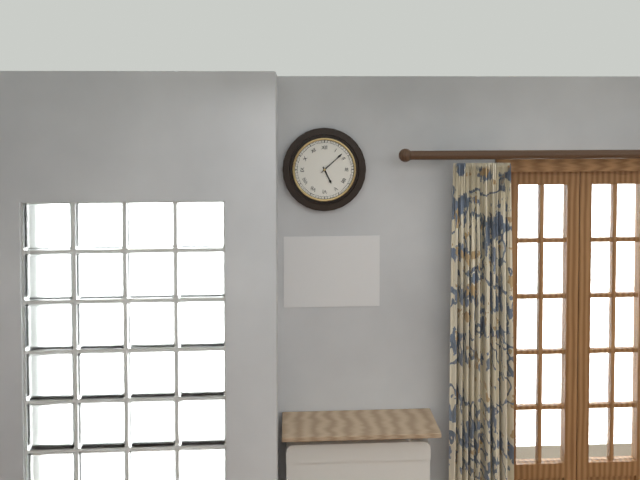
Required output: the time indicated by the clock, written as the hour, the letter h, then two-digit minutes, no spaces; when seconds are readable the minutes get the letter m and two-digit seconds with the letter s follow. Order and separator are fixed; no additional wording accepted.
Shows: 5h08
